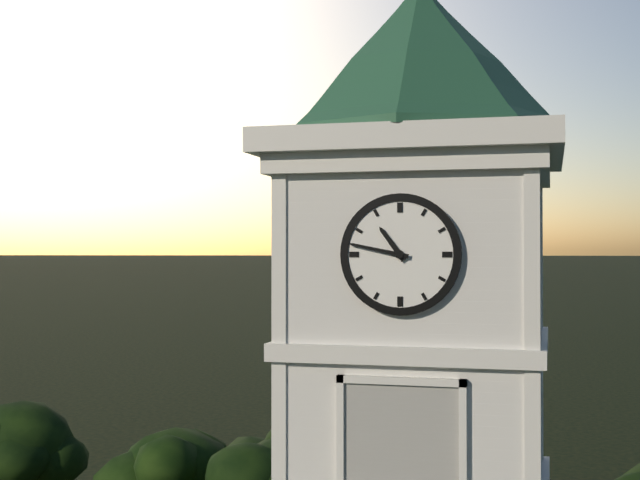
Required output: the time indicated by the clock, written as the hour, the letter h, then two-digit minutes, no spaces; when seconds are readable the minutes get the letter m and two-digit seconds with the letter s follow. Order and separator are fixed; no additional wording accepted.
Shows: 10h47
